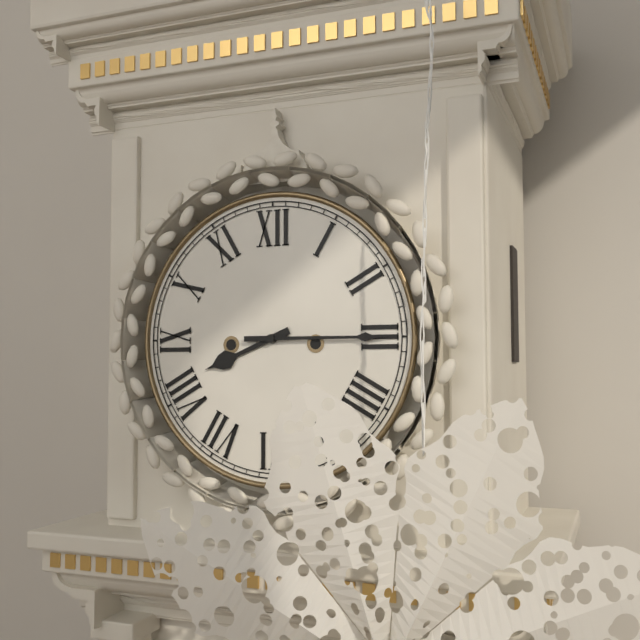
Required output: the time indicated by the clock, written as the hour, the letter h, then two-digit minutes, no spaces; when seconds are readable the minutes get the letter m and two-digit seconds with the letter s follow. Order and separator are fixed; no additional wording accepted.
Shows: 8h15
